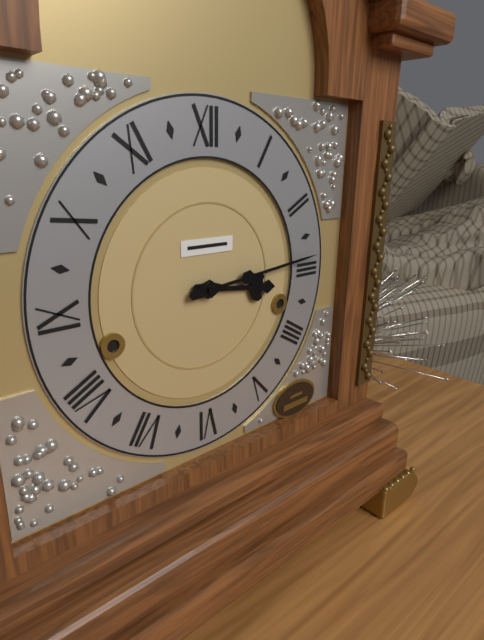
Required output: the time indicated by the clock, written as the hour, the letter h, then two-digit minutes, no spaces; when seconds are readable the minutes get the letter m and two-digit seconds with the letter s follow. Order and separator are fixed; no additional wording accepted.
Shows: 3h14
